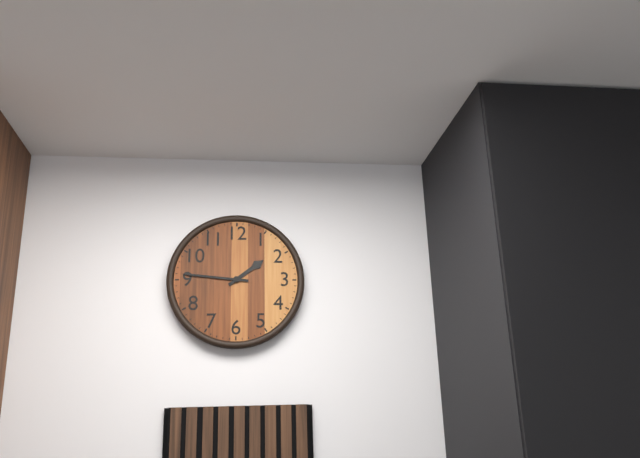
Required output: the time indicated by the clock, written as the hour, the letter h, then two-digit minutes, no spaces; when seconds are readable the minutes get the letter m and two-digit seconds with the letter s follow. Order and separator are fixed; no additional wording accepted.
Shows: 1h46
